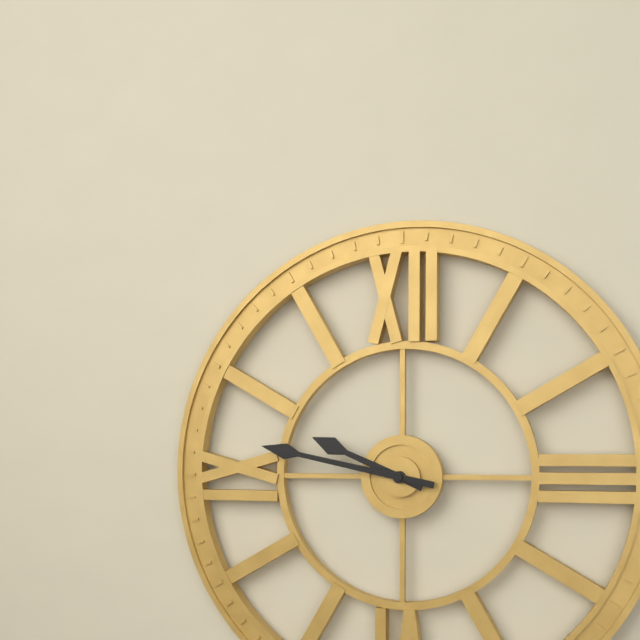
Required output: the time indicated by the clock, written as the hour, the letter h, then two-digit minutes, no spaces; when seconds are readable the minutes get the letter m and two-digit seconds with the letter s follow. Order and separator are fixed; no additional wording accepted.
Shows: 9h47
